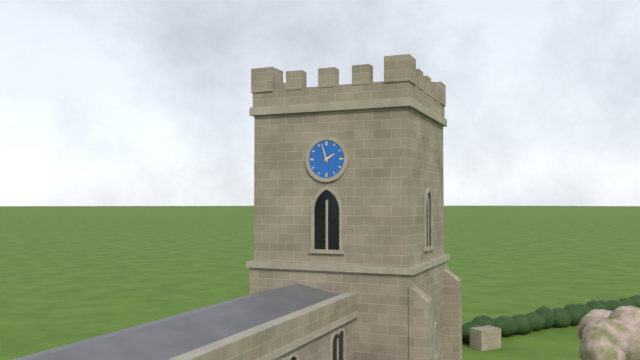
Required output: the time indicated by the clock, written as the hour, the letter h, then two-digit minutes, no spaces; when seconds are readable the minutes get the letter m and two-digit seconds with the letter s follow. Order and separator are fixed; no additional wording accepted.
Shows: 1h57
